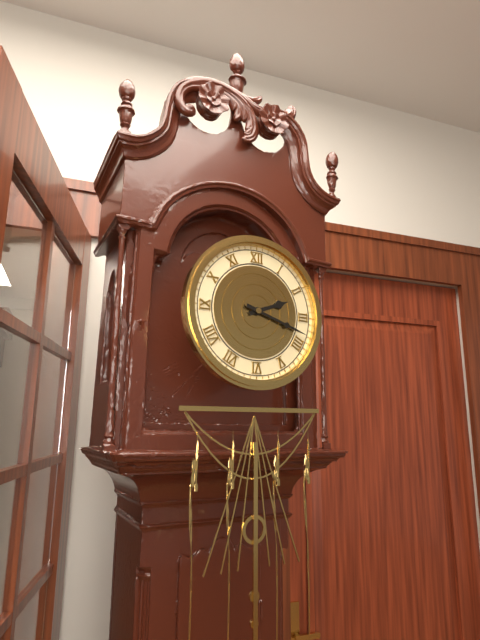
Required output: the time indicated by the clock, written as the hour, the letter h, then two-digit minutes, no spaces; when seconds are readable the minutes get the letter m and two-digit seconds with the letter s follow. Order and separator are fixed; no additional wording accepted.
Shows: 2h18
